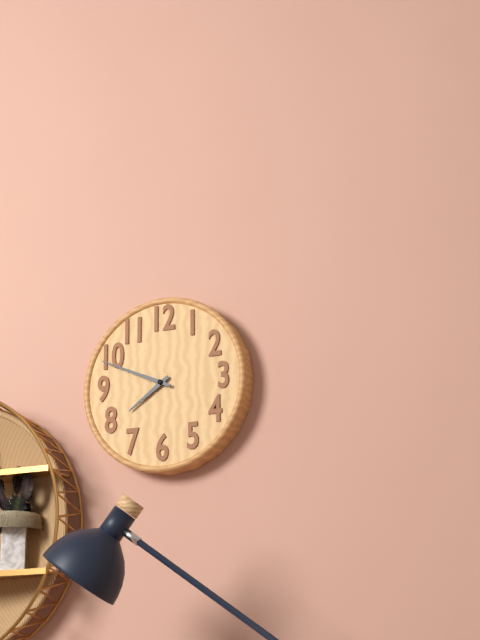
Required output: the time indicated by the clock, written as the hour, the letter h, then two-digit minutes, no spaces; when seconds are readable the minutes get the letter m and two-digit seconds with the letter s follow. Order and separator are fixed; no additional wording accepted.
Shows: 7h49
